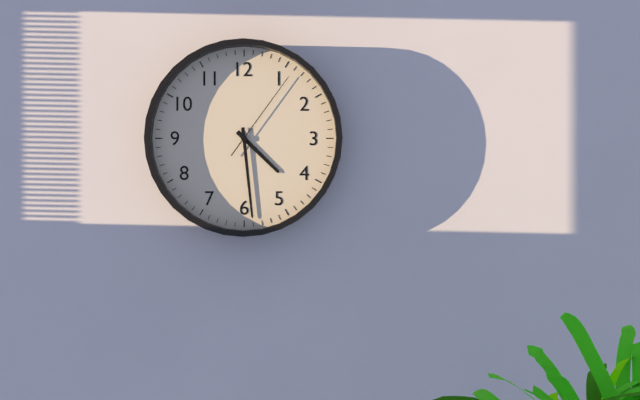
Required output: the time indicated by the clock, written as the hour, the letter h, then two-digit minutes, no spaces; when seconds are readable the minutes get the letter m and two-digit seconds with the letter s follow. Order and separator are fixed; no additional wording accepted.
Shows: 4h29m06s
